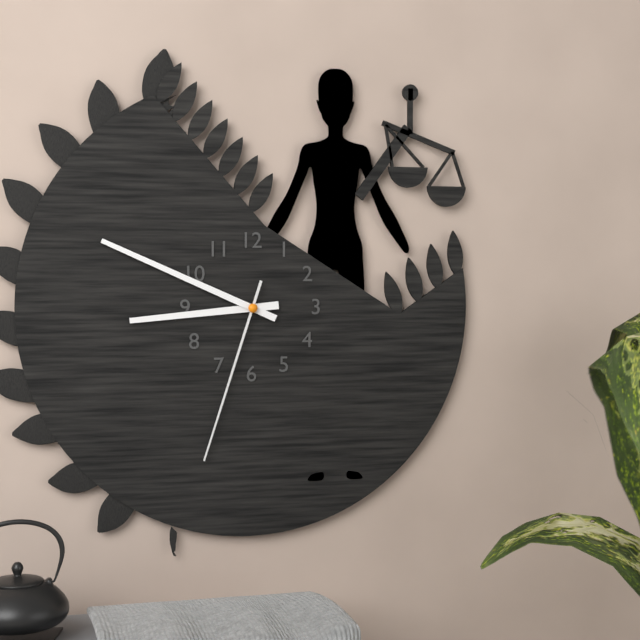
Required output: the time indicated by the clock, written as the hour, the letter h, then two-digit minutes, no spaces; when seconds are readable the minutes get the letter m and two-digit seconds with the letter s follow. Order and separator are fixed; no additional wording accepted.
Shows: 8h49m33s
